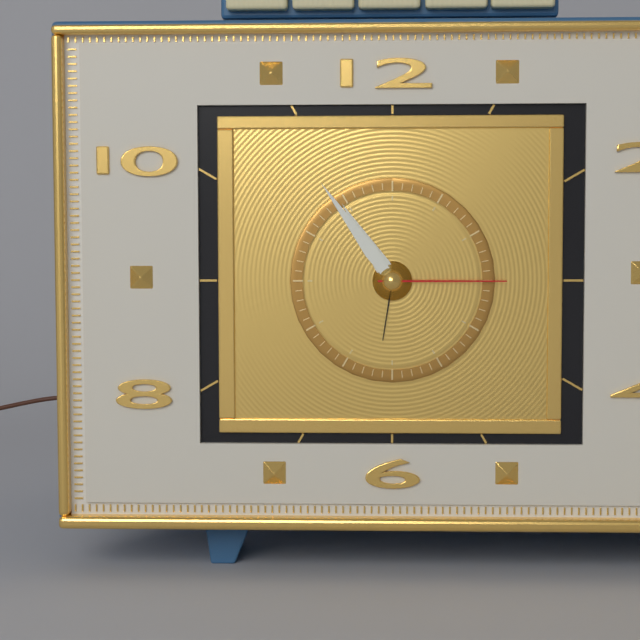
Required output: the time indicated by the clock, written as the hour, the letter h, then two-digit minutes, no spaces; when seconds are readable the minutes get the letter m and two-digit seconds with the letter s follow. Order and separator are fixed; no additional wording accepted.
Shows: 10h54m15s
